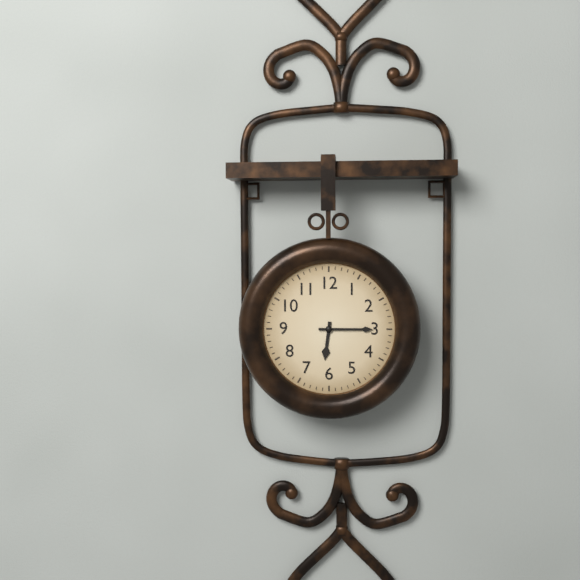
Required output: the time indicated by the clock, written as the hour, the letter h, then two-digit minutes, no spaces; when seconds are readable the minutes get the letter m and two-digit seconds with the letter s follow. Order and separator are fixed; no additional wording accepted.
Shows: 6h15
